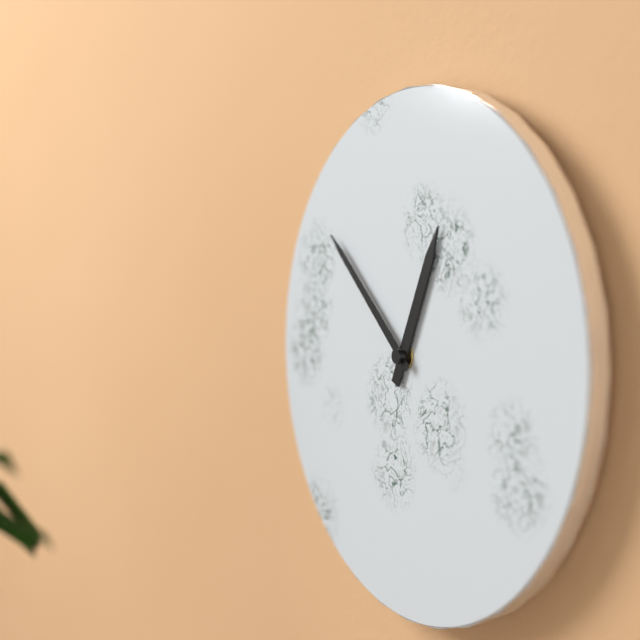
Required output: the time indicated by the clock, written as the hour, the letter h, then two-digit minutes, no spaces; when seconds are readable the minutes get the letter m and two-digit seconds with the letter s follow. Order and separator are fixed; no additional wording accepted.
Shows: 12h52
